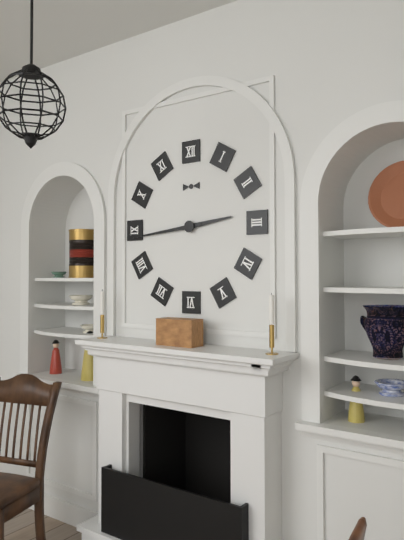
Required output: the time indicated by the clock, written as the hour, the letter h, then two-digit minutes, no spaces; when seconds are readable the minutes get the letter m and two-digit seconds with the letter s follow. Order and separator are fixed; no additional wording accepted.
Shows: 2h44
